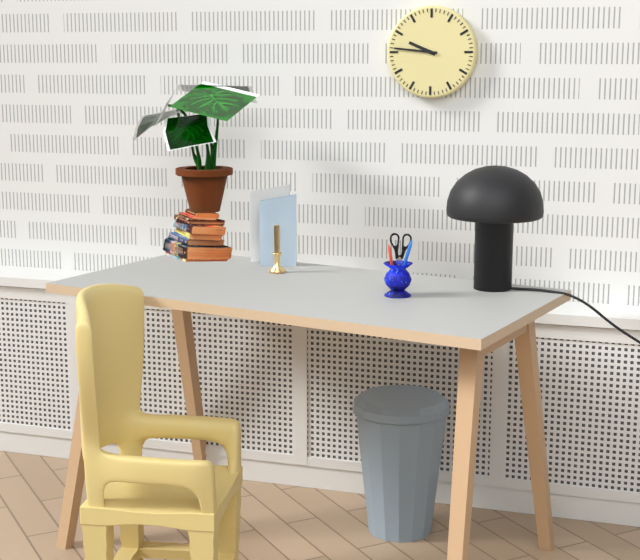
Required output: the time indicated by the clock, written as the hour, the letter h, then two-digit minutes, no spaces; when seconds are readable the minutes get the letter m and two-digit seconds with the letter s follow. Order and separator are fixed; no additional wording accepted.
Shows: 9h46
